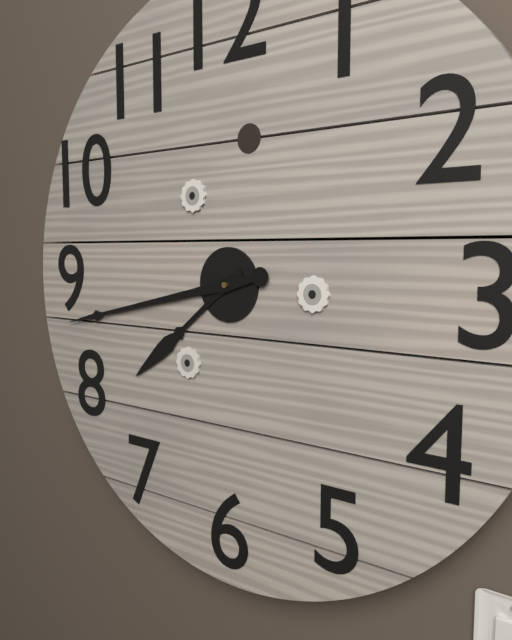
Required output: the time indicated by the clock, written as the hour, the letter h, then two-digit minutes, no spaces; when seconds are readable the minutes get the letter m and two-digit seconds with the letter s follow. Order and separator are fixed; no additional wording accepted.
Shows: 7h43
